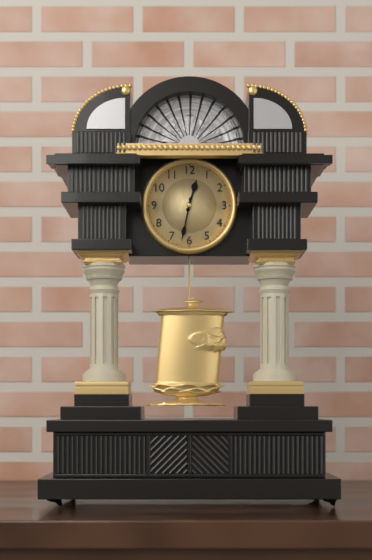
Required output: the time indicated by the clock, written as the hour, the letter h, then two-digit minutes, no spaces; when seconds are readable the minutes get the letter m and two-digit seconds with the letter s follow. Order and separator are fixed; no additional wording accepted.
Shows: 12h32
